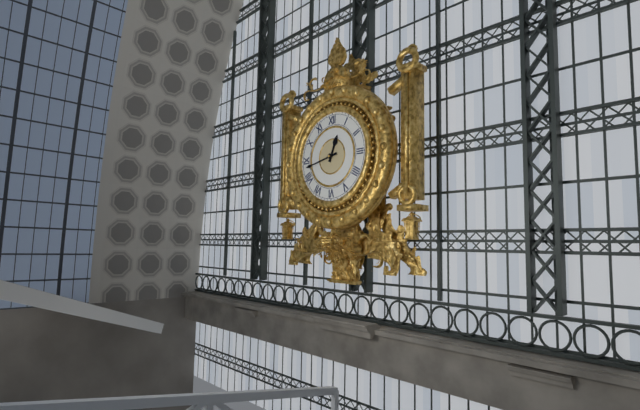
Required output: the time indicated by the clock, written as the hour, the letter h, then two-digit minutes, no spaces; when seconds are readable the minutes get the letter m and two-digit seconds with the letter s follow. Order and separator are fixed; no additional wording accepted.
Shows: 12h43
